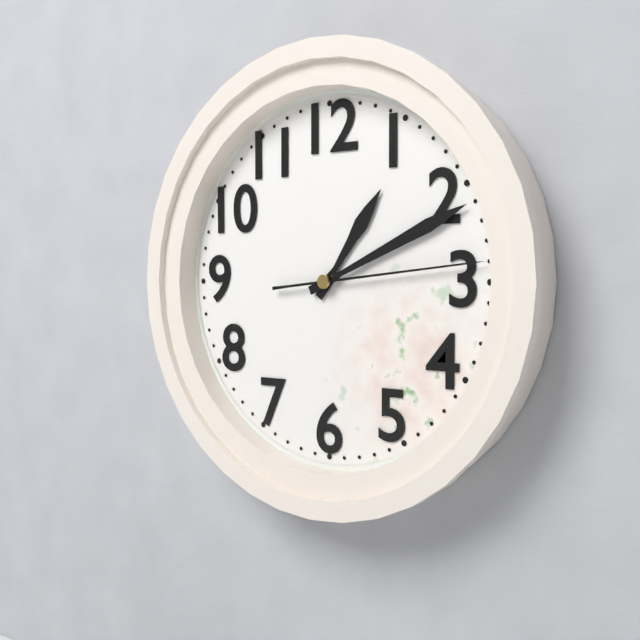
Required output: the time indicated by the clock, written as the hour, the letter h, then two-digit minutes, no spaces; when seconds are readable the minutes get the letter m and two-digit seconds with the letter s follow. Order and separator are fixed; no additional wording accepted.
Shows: 1h11m14s
